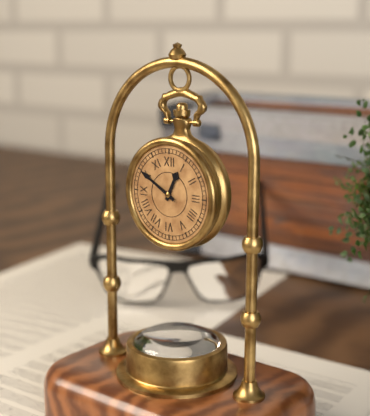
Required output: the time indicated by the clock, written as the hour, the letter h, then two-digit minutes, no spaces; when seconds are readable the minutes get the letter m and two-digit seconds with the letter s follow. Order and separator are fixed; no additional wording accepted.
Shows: 12h50
